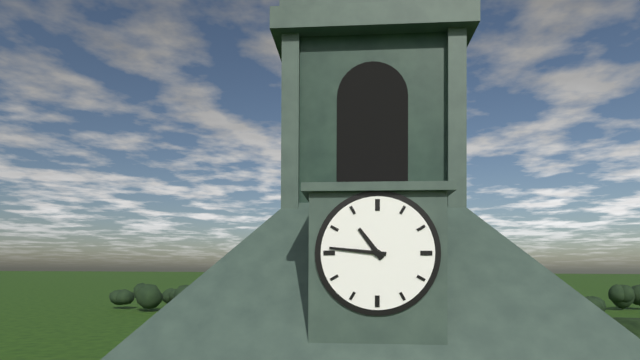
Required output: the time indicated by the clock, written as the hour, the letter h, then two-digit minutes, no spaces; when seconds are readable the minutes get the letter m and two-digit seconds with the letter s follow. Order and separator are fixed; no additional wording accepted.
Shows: 10h46
